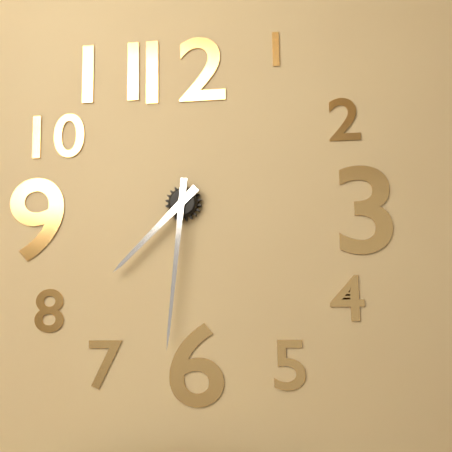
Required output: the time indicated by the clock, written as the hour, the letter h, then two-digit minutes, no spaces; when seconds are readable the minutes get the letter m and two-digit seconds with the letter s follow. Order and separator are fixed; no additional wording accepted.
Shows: 7h31
